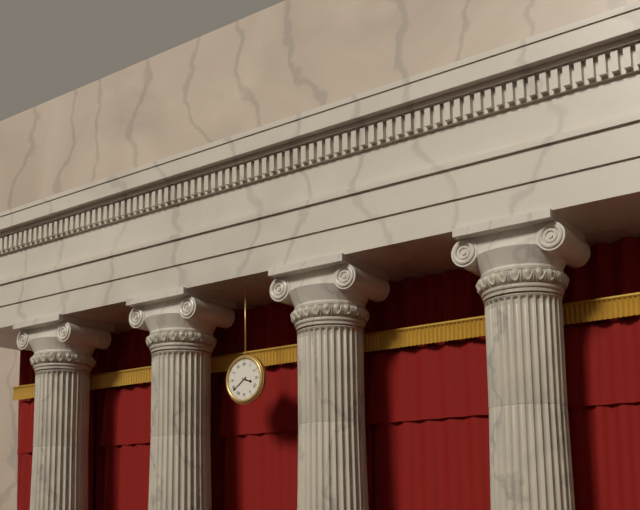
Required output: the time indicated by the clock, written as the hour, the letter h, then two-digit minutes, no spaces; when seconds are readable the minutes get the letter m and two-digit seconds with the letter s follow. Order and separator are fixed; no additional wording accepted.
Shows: 3h39
